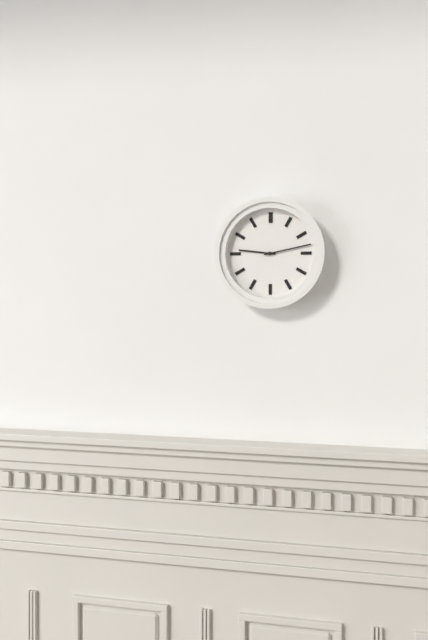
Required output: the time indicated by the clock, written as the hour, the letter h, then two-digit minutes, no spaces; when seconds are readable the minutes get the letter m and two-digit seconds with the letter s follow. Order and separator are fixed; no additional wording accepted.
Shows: 9h13
